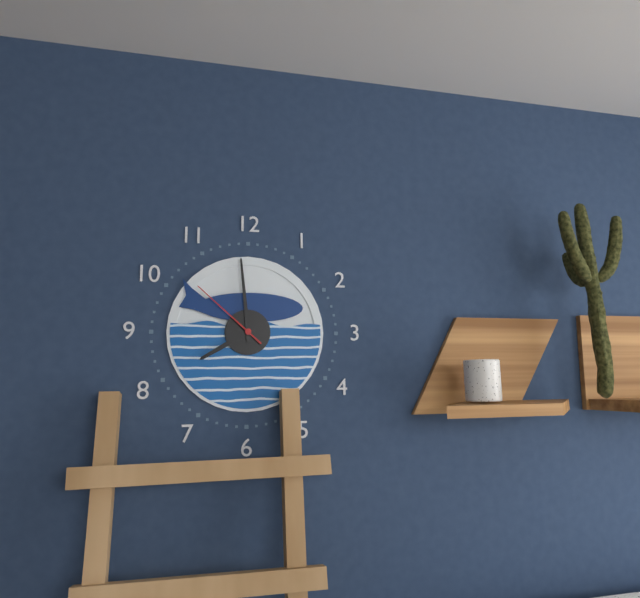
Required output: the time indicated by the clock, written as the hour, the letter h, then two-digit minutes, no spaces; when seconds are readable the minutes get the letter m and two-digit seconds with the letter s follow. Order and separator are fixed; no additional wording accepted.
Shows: 7h59m52s
